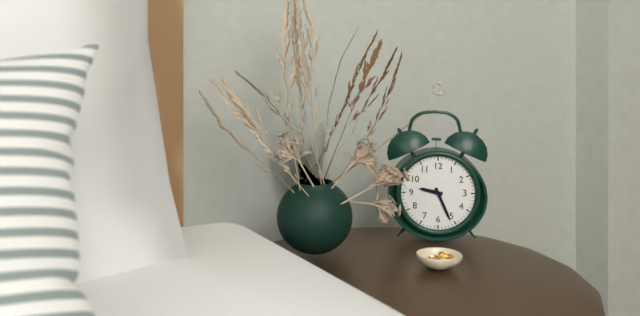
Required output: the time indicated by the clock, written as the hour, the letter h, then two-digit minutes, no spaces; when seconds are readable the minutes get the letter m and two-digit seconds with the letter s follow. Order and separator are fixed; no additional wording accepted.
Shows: 9h26
